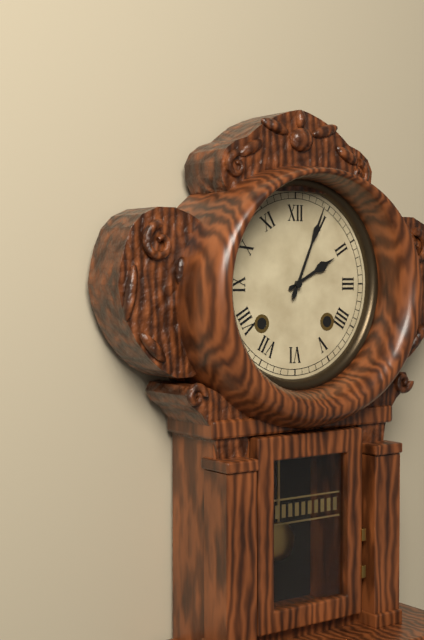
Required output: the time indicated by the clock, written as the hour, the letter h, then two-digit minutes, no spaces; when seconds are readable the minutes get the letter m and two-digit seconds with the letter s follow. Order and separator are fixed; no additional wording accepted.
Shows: 2h04
